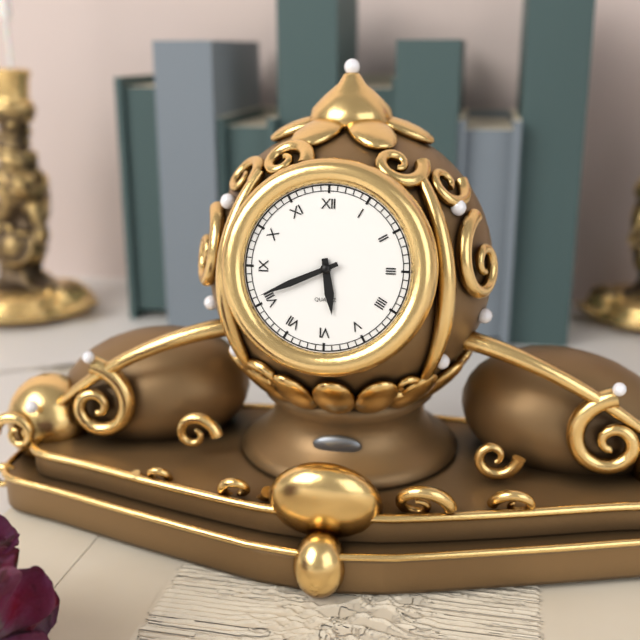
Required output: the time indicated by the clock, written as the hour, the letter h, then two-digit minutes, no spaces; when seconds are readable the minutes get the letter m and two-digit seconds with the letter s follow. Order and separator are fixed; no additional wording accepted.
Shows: 5h41
